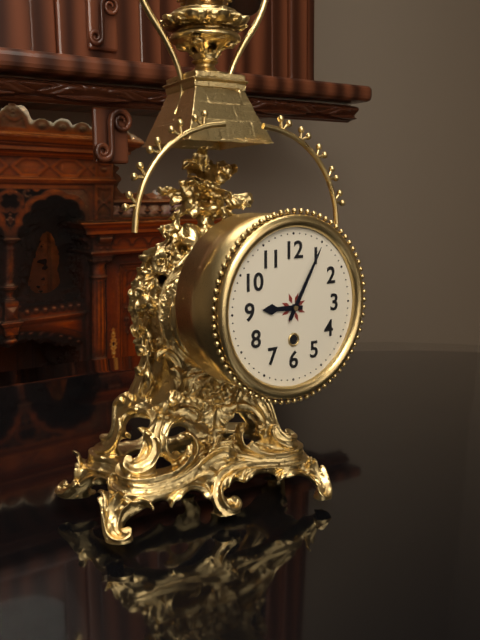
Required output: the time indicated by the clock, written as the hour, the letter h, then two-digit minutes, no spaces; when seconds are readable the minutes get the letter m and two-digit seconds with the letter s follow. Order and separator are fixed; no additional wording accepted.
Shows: 9h05
